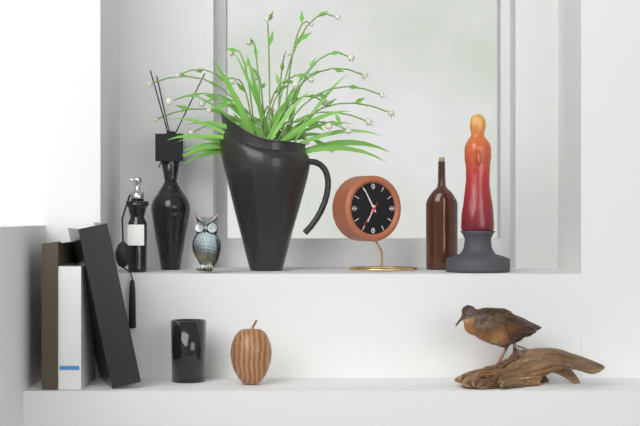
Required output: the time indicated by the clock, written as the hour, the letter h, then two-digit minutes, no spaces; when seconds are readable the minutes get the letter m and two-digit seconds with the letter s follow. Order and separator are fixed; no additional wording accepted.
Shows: 6h55
